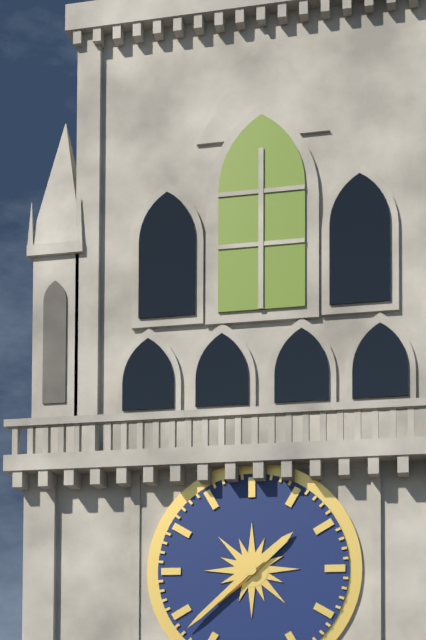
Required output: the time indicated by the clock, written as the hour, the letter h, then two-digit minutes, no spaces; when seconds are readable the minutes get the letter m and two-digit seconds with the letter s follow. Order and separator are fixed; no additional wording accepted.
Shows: 1h38
